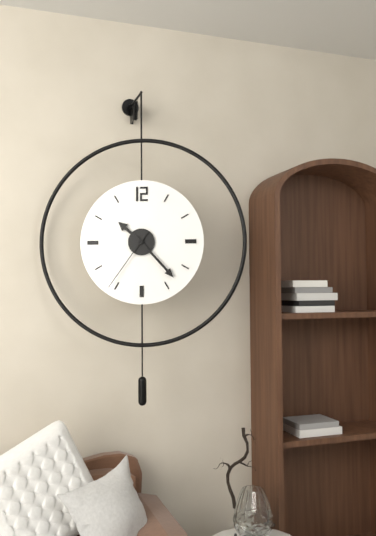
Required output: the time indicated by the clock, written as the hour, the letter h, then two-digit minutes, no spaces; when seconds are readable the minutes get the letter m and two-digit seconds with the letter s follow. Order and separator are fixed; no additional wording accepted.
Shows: 10h23m36s
